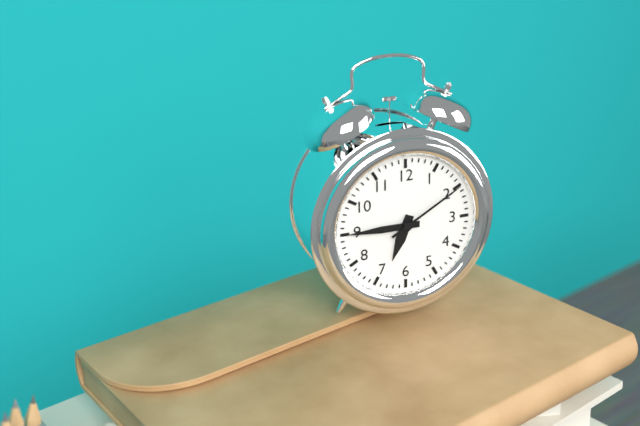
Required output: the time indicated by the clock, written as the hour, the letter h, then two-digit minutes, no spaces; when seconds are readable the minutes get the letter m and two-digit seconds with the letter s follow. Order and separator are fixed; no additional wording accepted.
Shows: 6h45m10s
